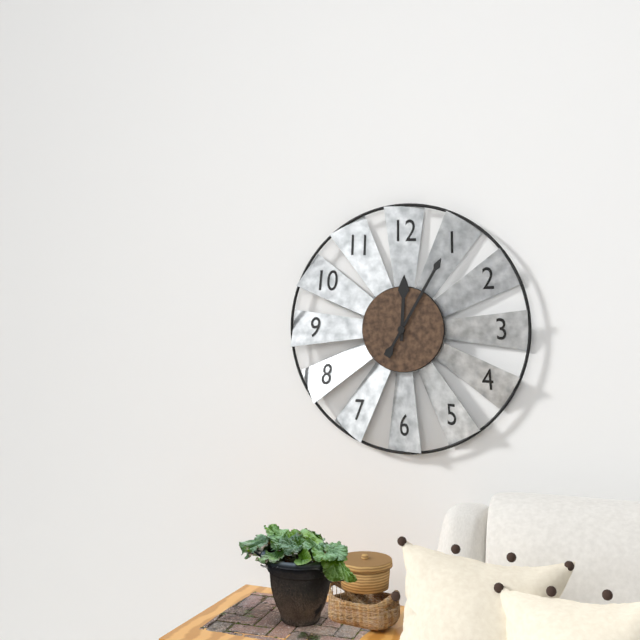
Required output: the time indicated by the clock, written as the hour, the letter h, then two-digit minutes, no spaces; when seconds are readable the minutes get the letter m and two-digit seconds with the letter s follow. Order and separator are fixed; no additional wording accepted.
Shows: 12h05
